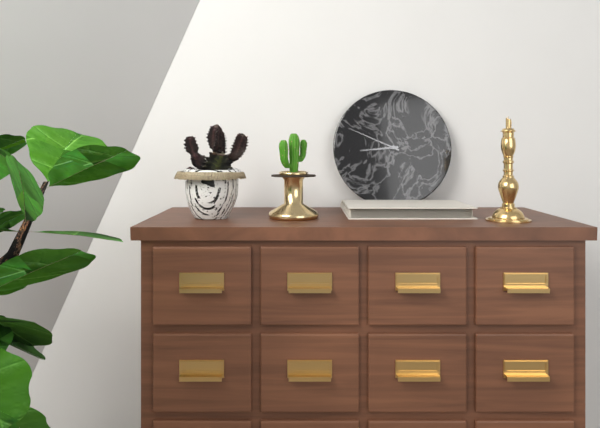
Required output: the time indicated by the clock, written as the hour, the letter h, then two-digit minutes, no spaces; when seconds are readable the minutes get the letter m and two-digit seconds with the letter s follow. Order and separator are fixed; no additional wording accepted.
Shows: 8h49
